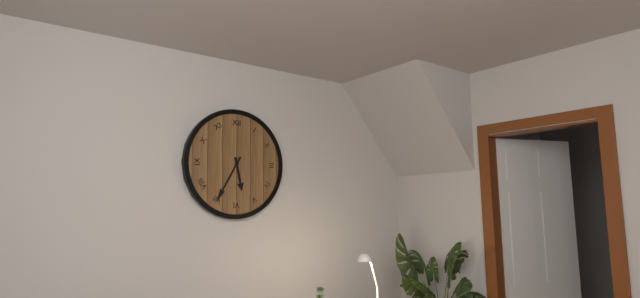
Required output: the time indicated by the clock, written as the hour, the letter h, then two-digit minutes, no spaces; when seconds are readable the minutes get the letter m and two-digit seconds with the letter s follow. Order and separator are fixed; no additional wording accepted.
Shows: 5h35
